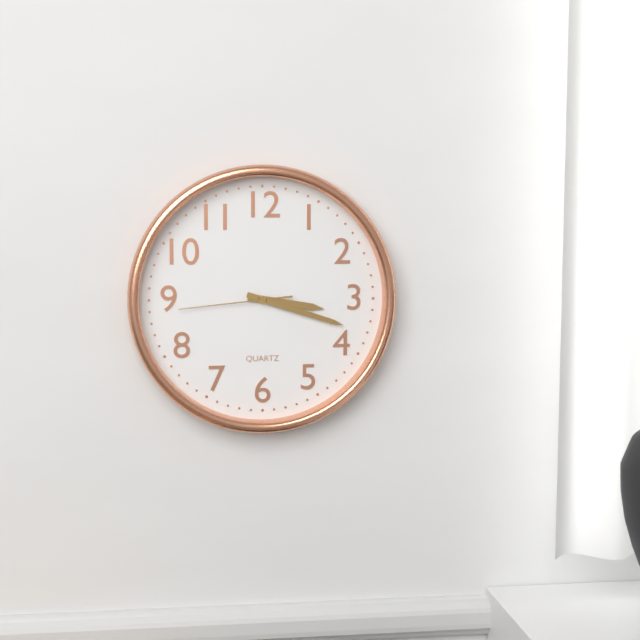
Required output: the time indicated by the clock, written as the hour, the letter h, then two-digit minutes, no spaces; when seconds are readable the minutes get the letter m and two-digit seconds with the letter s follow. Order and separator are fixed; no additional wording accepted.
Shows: 3h18m44s
